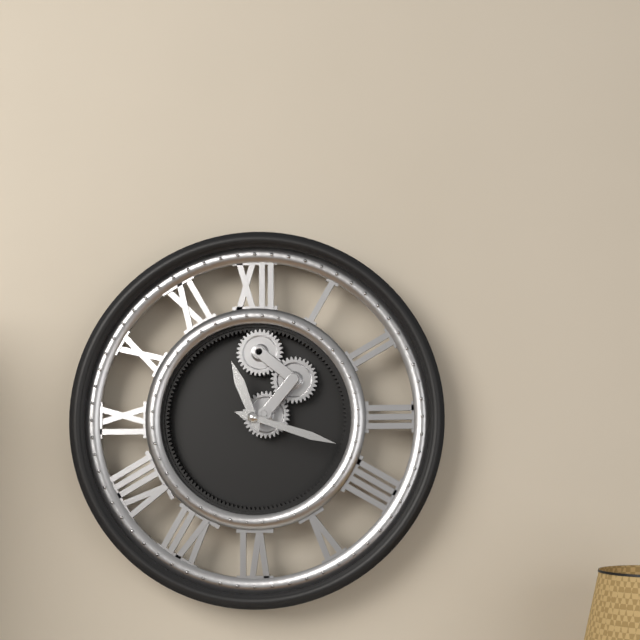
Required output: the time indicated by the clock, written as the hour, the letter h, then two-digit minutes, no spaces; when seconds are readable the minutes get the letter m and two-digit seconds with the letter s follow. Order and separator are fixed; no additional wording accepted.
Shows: 11h18
